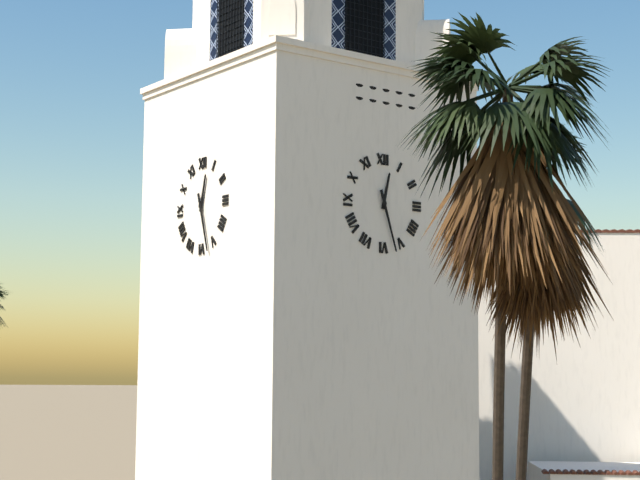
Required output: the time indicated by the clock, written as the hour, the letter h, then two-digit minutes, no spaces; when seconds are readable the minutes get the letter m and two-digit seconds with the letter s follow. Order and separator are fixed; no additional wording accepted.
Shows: 12h27
